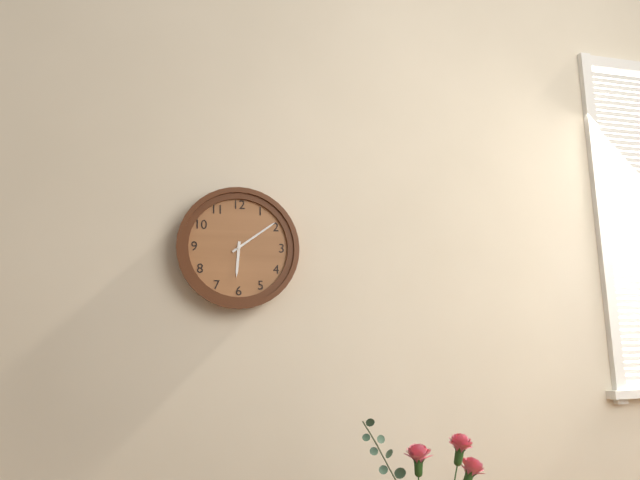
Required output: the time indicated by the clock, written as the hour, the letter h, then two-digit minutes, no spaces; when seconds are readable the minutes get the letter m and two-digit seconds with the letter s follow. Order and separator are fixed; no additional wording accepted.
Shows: 6h09
